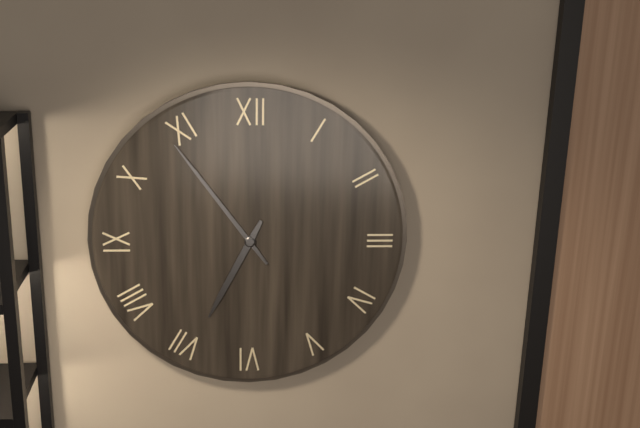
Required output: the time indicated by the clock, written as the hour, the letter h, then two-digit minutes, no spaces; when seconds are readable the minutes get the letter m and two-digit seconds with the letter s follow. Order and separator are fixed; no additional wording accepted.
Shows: 6h54
